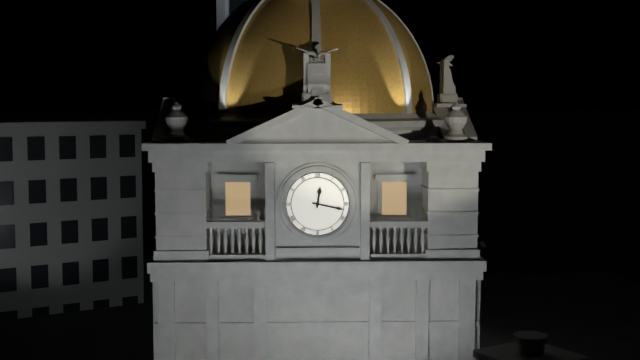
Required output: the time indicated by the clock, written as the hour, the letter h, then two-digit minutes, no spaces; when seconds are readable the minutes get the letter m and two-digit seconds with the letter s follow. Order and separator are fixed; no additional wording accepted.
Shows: 12h17
